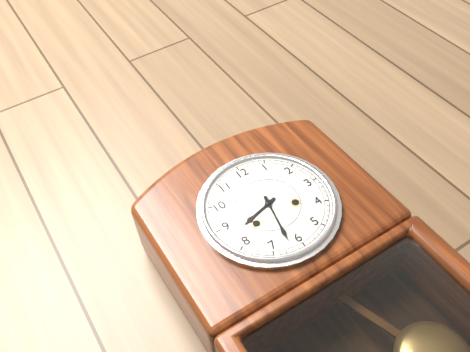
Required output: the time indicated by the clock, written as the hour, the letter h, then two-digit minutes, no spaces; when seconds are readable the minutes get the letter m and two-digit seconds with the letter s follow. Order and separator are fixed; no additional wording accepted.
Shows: 8h32
